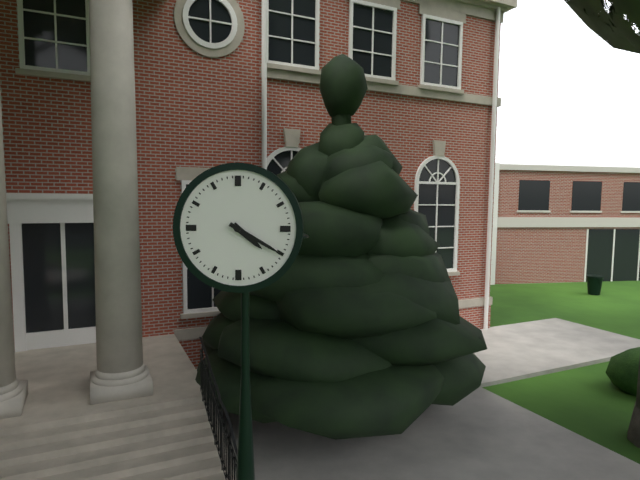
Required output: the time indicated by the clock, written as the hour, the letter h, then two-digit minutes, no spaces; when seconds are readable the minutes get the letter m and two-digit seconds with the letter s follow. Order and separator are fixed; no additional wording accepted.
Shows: 4h20
